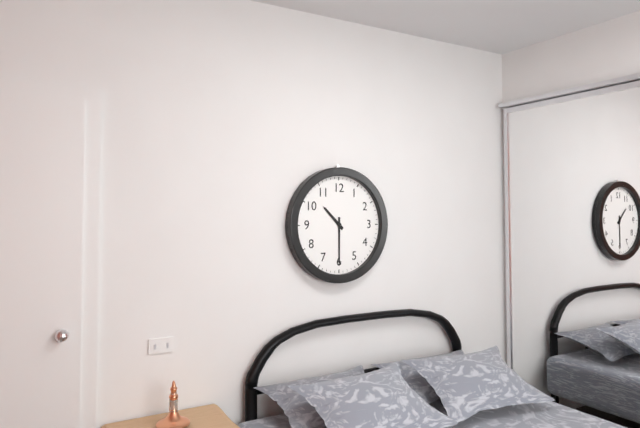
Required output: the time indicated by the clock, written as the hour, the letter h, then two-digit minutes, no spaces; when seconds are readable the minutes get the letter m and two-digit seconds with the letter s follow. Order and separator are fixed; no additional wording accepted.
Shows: 10h30
